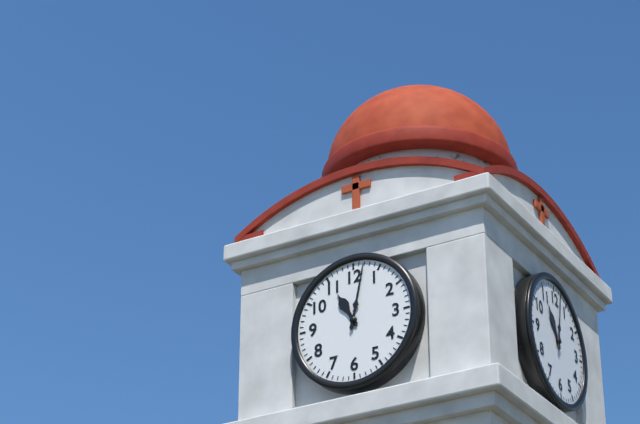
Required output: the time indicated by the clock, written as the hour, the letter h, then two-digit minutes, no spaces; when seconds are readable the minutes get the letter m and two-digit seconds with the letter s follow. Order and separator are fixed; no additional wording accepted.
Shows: 11h02
